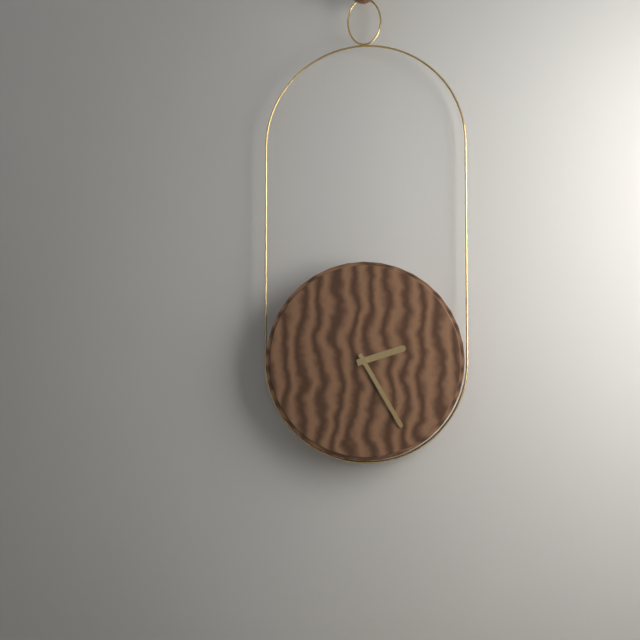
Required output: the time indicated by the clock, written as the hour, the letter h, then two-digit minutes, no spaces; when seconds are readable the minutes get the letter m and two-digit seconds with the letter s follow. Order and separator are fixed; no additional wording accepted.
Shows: 2h25
